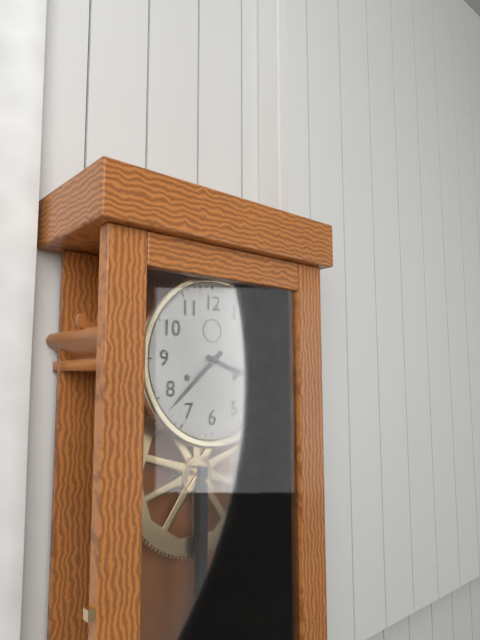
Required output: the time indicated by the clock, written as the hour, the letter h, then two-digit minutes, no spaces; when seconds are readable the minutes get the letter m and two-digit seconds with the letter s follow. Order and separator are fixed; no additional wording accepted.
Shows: 3h38
